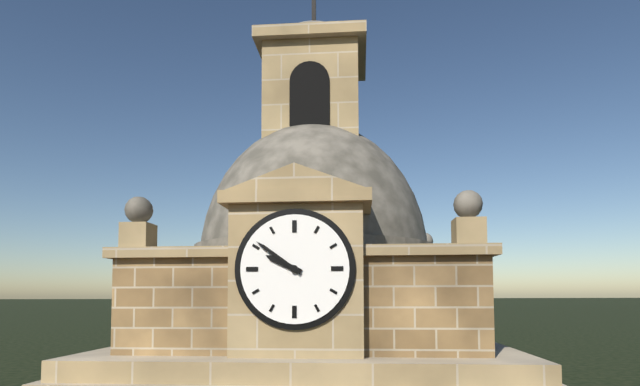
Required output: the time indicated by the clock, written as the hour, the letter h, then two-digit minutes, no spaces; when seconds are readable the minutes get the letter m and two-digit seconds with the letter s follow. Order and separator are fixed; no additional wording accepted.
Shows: 9h51
